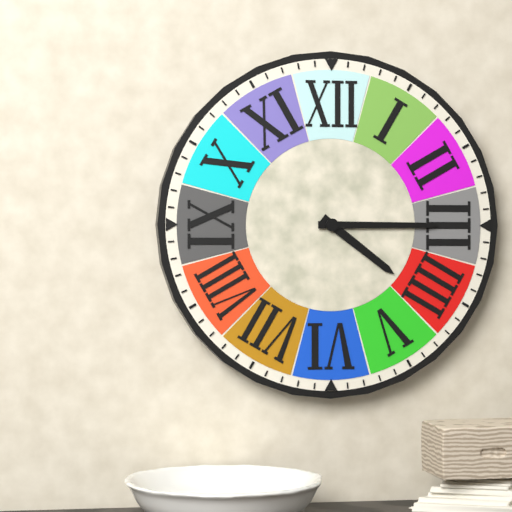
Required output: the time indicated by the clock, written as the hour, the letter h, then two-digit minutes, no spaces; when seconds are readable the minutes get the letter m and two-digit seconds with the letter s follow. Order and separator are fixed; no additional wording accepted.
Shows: 4h15
